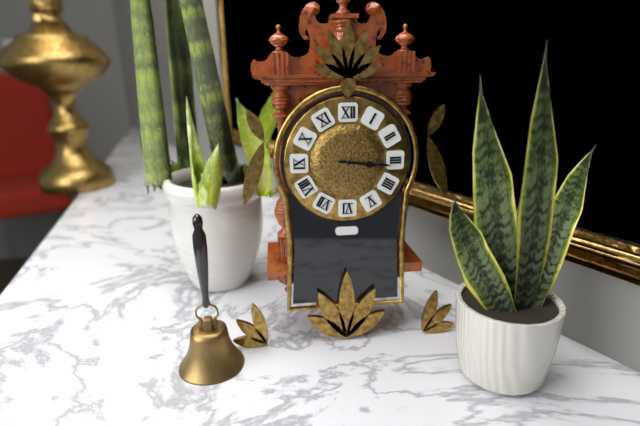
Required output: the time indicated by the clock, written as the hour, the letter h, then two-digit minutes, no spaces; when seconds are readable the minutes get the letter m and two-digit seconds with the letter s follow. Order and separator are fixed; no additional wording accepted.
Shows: 3h16
